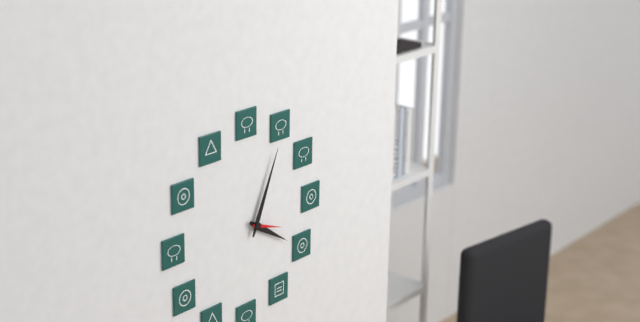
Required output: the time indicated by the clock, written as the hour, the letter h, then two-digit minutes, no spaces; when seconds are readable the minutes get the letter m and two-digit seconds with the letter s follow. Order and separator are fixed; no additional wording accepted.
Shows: 4h04
